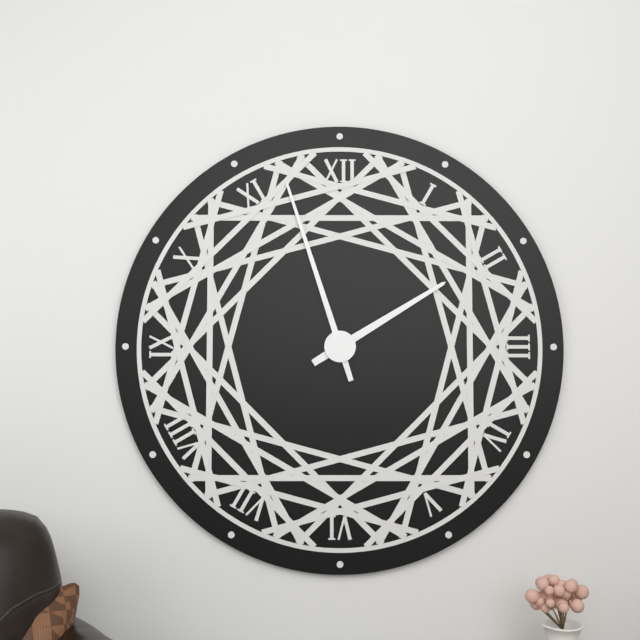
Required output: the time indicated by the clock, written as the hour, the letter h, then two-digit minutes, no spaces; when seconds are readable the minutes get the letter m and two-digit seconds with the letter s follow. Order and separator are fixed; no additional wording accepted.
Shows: 1h57
